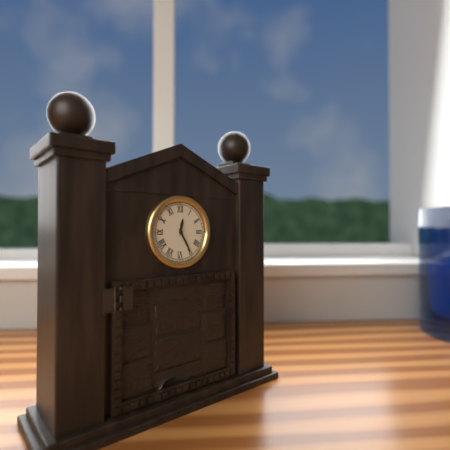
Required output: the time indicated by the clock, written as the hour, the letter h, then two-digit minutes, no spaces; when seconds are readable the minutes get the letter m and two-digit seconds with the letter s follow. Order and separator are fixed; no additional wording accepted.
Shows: 12h25
